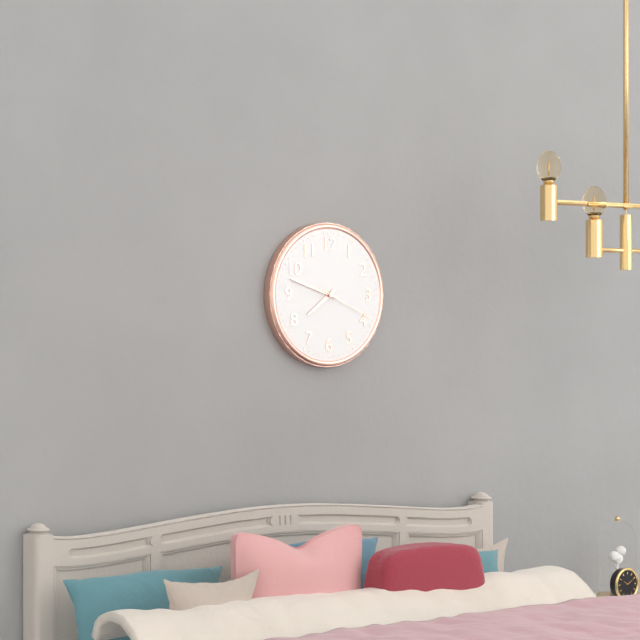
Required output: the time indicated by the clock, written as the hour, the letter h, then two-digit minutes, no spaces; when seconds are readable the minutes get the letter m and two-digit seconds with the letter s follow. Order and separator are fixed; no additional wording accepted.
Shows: 7h48m19s
